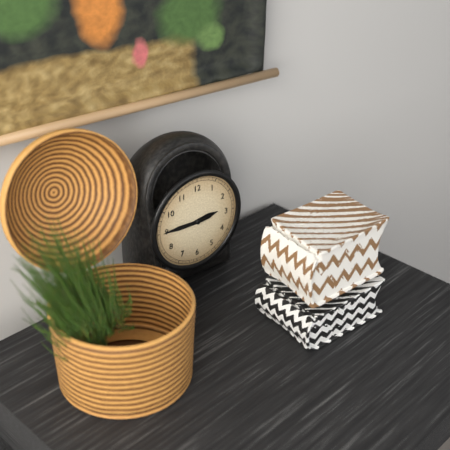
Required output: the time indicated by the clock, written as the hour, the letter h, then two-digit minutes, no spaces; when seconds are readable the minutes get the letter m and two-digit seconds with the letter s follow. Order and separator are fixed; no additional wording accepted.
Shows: 2h45
